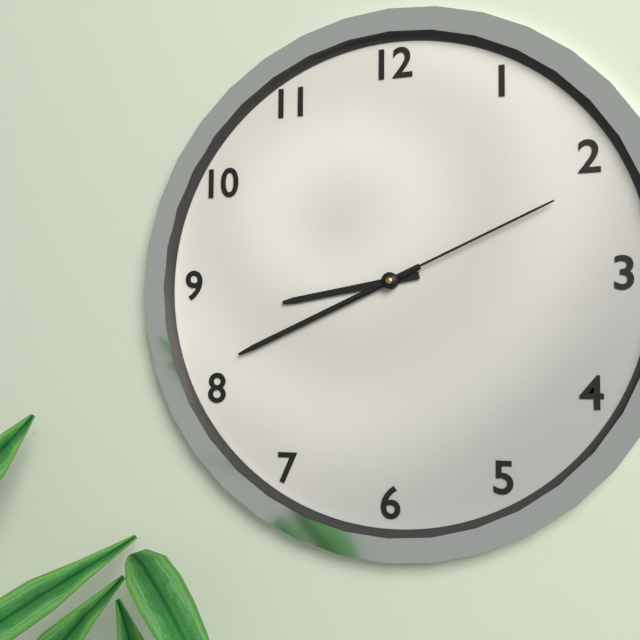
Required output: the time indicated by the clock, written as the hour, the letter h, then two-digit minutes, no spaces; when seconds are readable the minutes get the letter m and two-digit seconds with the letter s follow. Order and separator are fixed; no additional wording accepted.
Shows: 8h41m11s
